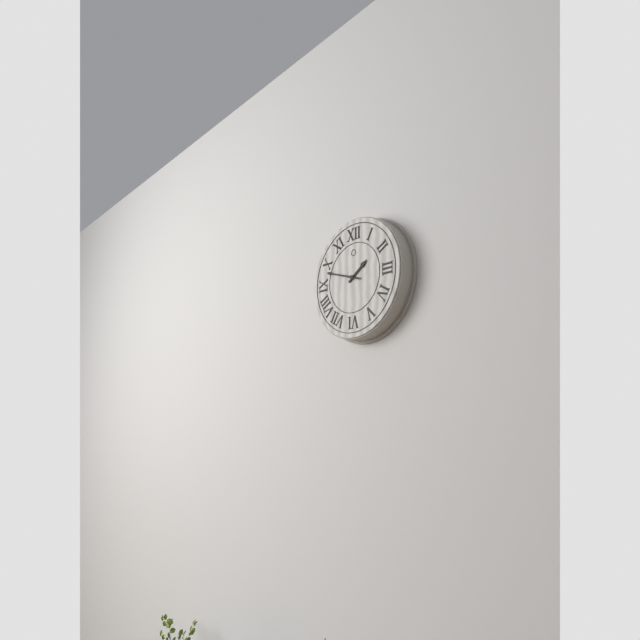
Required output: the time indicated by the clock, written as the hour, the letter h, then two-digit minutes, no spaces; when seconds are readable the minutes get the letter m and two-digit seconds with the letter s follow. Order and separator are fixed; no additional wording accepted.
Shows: 1h48
